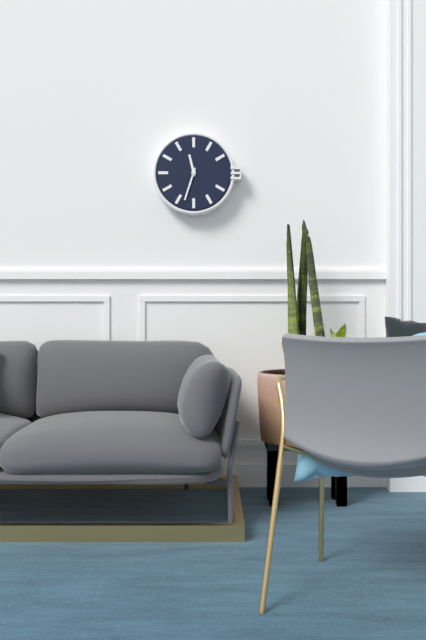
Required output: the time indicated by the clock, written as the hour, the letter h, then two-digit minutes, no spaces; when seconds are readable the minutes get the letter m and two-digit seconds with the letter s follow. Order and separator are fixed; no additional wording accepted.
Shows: 11h33
